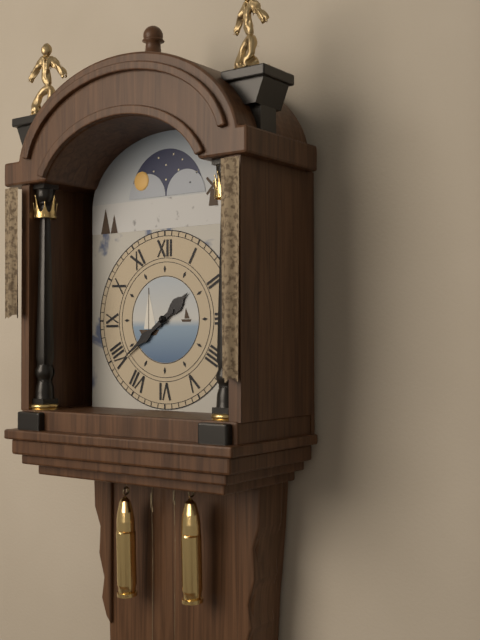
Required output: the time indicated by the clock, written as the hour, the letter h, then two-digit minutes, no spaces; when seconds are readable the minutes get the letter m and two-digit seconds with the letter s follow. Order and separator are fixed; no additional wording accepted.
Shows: 1h39
